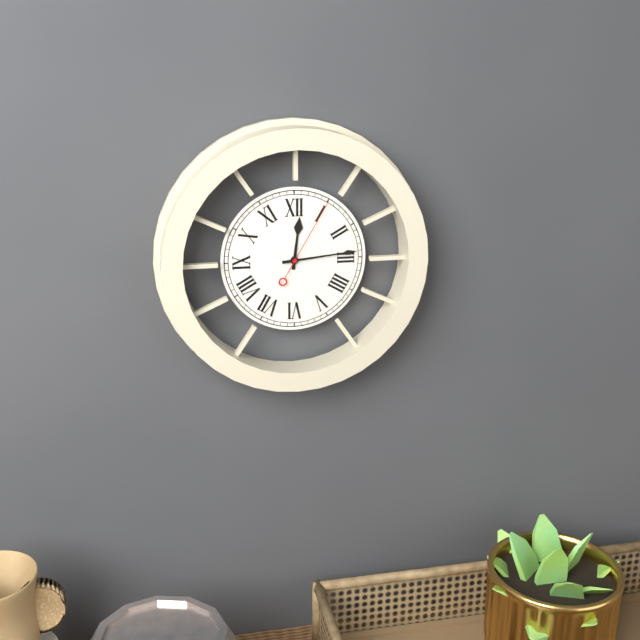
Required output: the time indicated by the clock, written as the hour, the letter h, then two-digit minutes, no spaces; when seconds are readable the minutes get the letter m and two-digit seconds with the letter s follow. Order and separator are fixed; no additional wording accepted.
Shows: 12h14m05s
